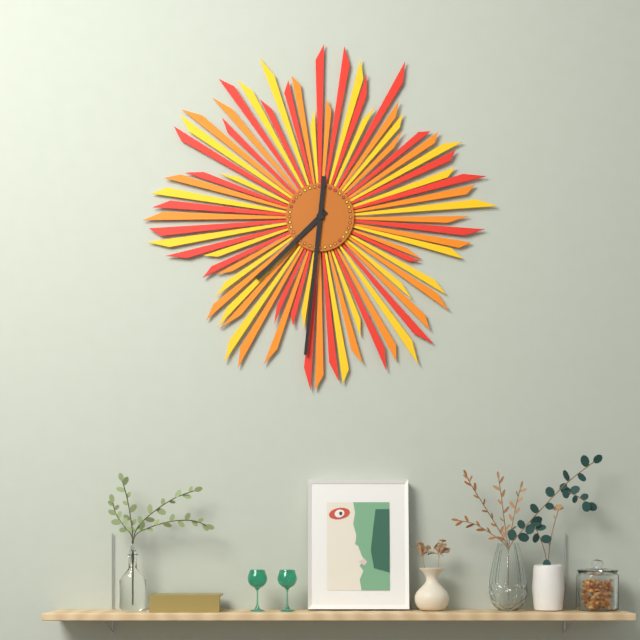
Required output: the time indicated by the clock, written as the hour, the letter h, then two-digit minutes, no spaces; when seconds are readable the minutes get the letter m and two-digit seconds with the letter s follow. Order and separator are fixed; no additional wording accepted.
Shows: 7h31
